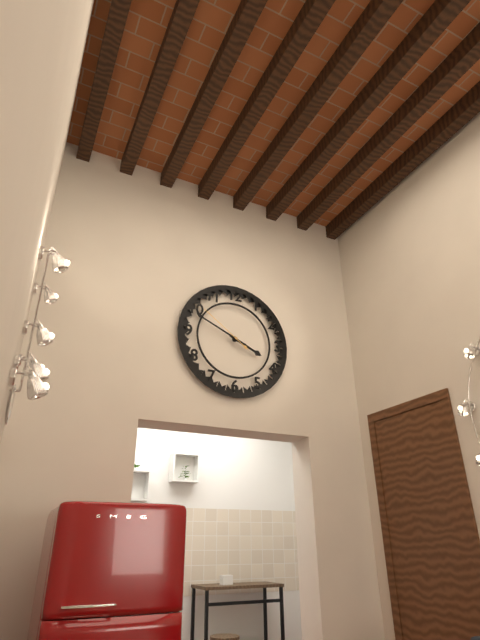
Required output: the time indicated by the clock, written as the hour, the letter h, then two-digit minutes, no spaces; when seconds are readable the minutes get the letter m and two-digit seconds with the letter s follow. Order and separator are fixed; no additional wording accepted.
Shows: 3h49m51s
